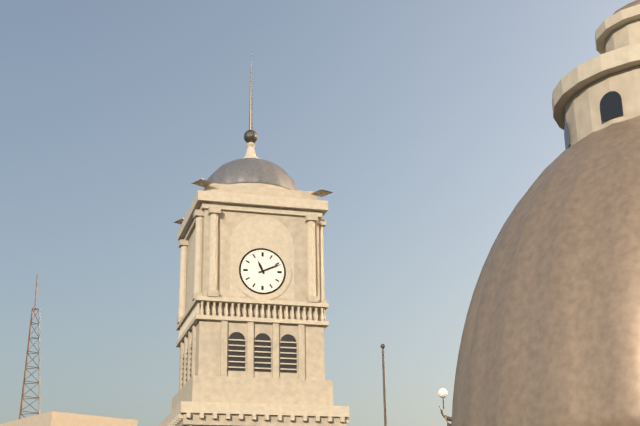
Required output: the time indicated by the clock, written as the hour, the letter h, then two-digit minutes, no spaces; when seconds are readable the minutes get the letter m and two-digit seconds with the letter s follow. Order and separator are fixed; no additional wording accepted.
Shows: 11h11
